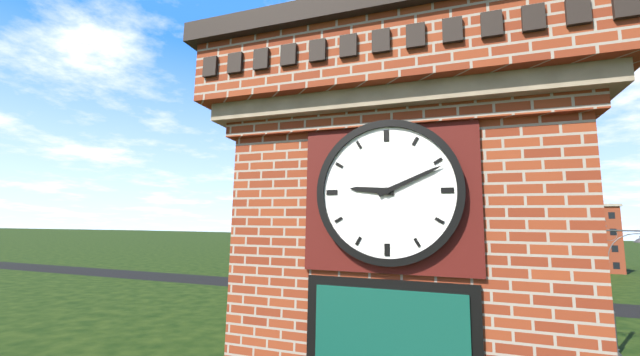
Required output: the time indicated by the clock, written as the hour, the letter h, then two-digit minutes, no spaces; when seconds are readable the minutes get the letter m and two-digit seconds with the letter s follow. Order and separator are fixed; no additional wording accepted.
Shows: 9h11
